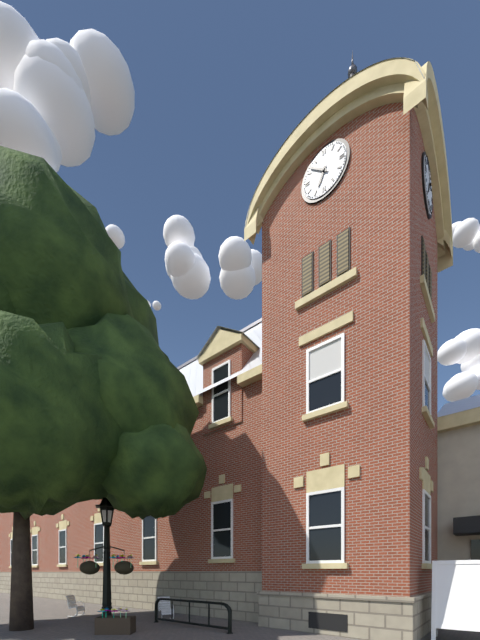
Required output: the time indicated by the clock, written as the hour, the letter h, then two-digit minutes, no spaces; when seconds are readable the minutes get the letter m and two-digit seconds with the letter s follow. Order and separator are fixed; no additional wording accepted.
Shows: 6h52
